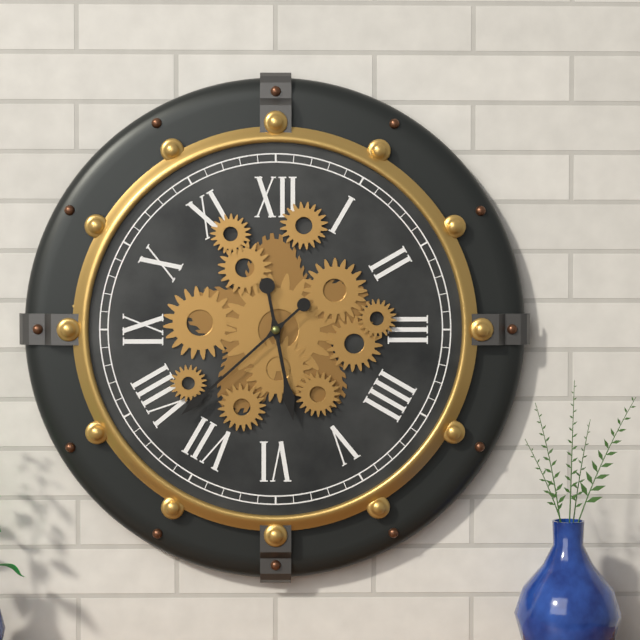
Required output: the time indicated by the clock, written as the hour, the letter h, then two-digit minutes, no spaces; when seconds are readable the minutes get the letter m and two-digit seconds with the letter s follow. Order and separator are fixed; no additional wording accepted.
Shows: 5h38
